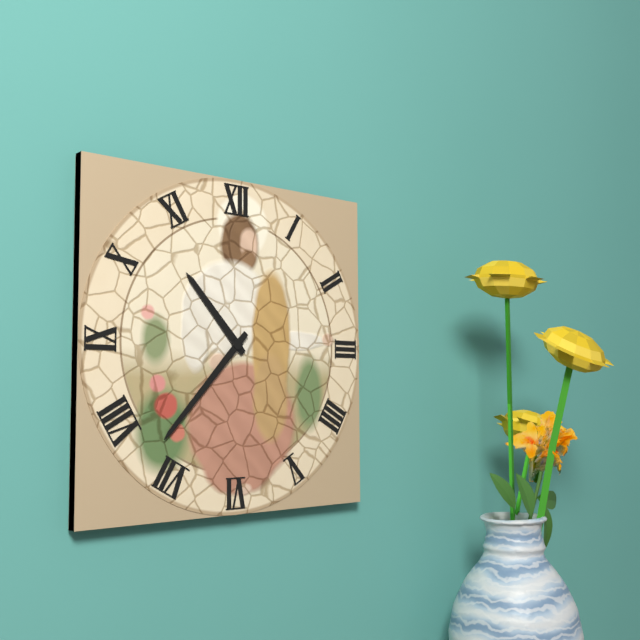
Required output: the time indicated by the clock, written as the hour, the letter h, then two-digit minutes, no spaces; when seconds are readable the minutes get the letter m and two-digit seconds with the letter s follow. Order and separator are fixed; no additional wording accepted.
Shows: 10h37
